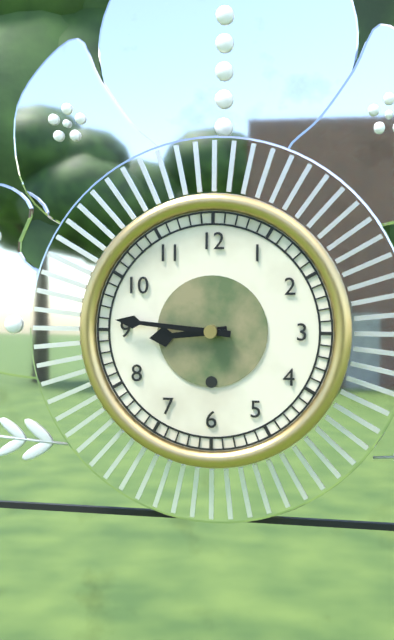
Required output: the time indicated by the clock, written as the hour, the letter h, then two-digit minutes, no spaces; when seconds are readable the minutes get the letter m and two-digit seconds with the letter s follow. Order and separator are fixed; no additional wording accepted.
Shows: 8h46
